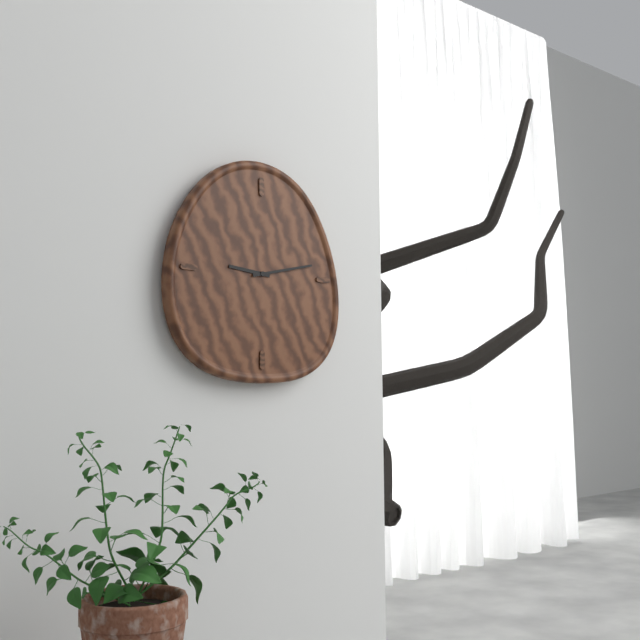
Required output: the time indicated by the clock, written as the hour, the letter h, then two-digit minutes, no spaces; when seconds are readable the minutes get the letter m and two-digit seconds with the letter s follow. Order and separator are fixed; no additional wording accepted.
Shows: 9h13
